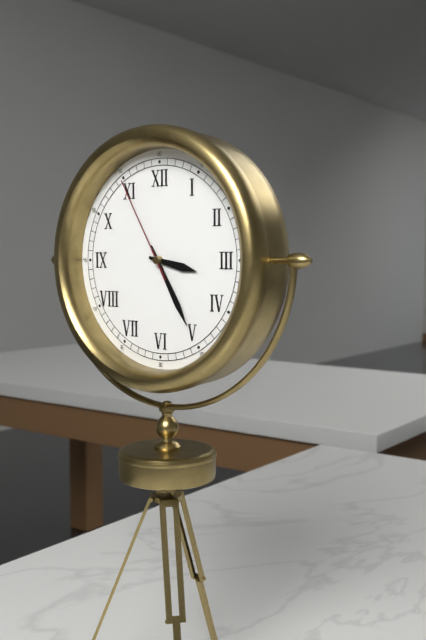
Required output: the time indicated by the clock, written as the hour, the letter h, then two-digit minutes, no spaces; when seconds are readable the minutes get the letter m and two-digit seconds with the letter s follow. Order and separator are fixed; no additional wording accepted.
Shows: 3h25m55s
